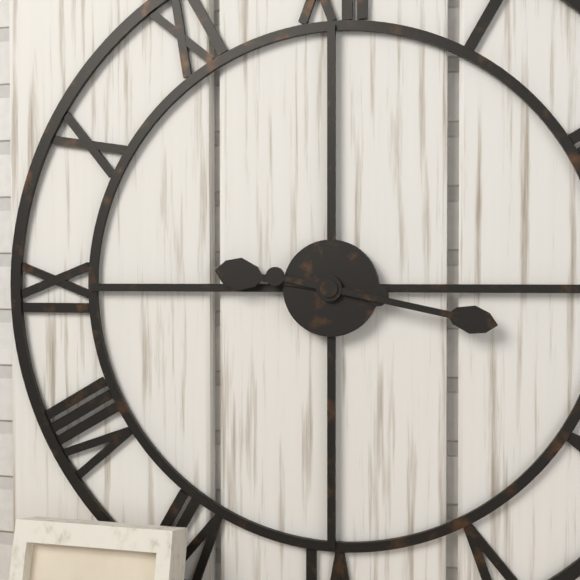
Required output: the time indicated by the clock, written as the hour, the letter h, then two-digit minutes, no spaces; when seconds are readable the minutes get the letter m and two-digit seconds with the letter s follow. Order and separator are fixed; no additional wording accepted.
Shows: 9h17
